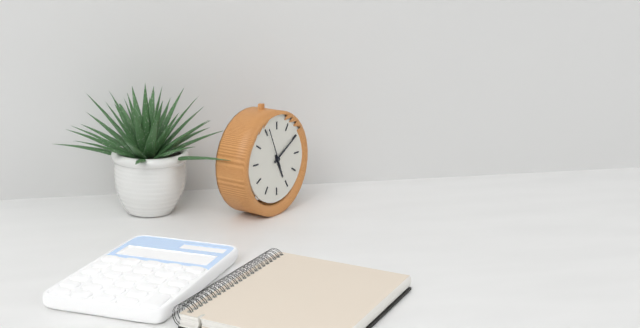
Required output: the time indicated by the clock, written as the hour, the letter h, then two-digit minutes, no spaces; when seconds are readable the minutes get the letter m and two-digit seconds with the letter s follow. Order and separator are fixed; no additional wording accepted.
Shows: 5h10
